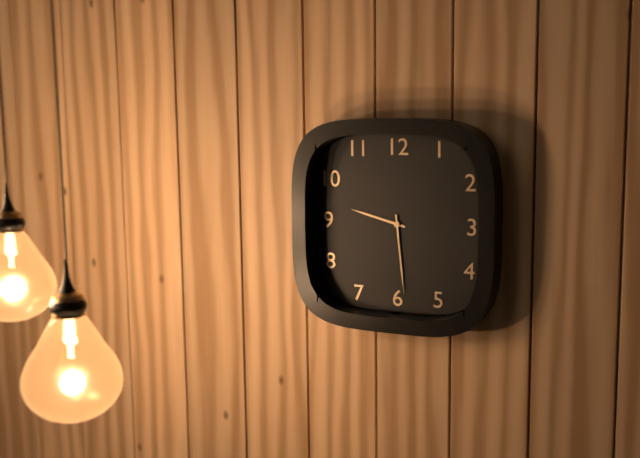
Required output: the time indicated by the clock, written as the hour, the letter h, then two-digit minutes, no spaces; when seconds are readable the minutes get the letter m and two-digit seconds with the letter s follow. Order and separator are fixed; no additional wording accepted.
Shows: 9h29
